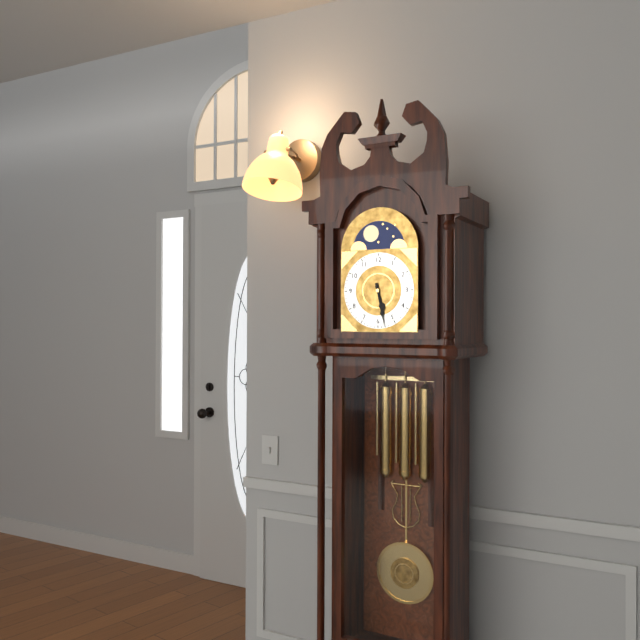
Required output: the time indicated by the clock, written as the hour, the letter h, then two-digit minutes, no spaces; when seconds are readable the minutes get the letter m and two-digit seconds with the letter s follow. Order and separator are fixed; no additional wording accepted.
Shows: 5h28
